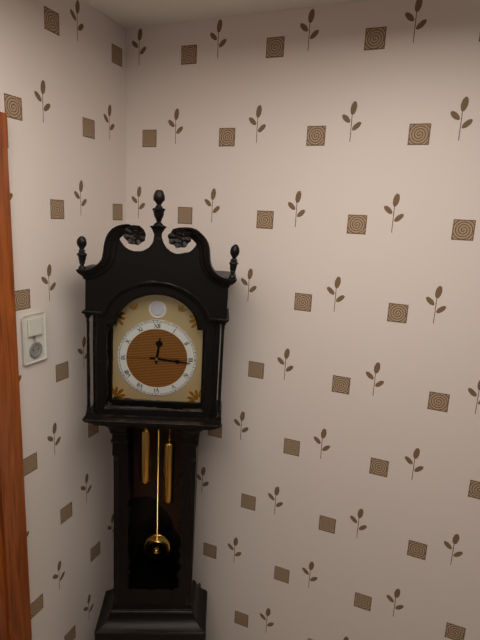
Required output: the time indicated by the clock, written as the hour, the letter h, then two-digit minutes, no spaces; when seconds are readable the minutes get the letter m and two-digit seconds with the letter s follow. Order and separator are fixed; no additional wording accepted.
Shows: 12h16
